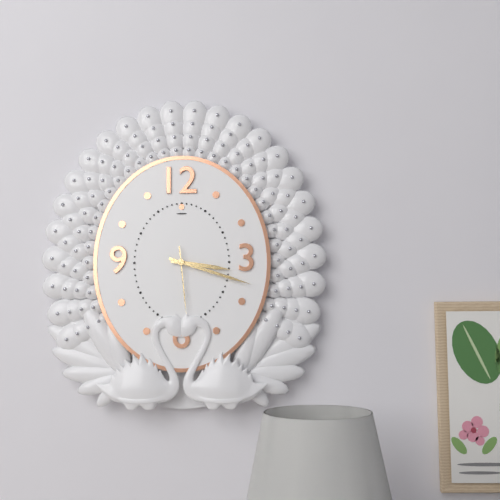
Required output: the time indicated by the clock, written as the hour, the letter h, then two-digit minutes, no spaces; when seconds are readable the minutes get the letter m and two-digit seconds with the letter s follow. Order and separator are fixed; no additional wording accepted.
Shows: 3h18m29s
